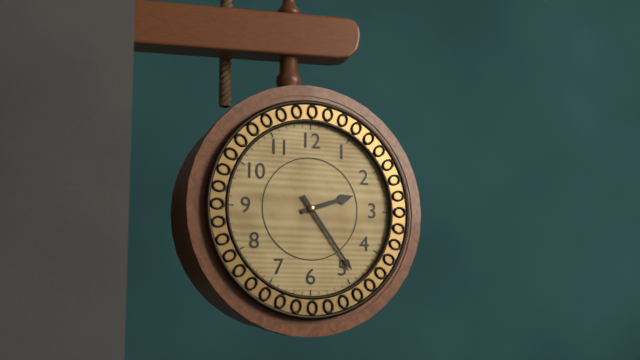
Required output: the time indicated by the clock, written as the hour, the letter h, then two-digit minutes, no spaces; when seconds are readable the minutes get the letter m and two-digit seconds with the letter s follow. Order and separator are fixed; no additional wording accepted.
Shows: 2h24
